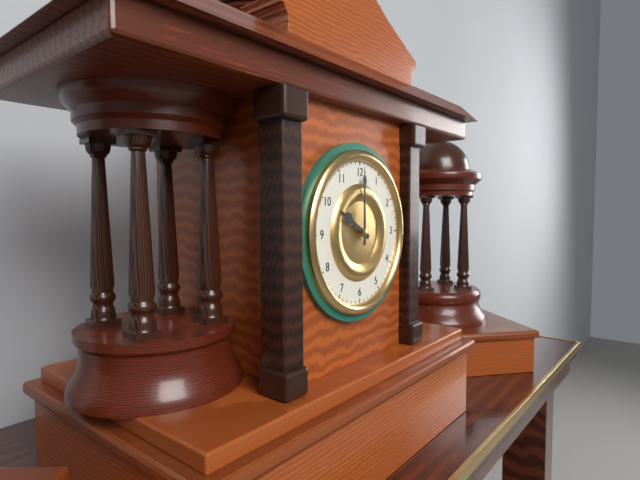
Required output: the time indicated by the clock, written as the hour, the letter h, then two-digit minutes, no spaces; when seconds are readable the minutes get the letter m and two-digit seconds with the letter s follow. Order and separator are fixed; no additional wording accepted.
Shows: 10h00
